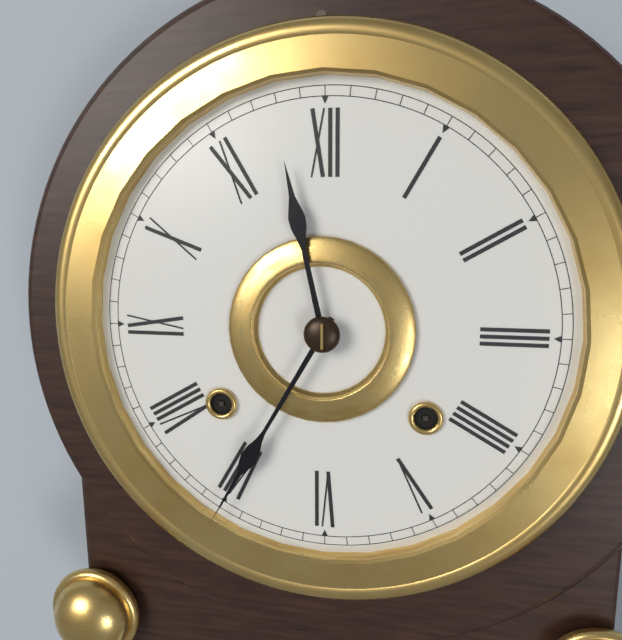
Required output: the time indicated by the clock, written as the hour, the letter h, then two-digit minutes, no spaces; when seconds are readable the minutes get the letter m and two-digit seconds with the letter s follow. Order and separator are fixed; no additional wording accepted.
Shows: 11h35
